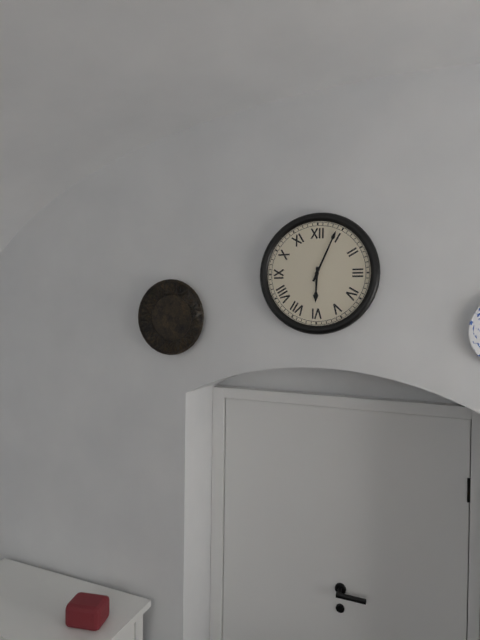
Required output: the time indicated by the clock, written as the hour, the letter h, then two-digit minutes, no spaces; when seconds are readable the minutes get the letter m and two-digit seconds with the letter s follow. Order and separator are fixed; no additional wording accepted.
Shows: 6h04
